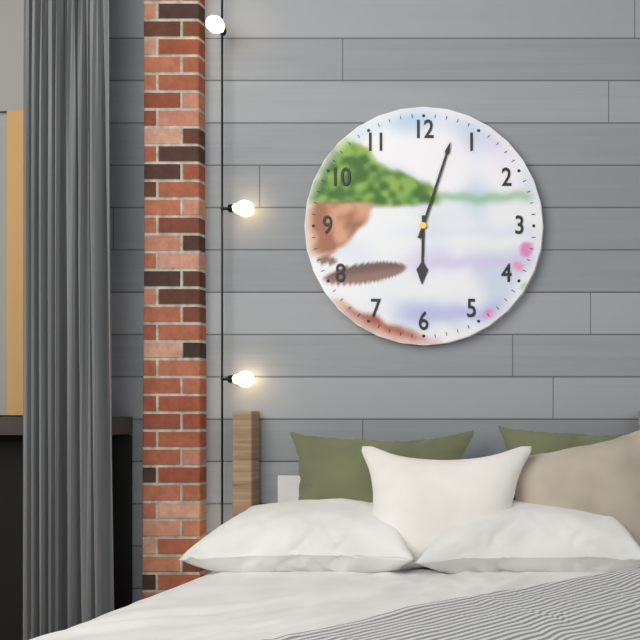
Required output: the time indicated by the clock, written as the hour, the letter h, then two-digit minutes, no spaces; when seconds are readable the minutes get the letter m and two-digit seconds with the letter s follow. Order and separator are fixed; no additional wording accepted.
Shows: 6h03
